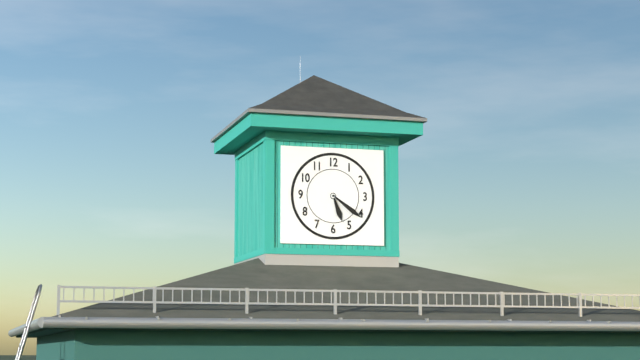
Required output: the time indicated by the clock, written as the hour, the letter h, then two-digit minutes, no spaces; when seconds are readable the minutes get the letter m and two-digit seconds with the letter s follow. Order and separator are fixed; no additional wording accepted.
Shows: 5h21
